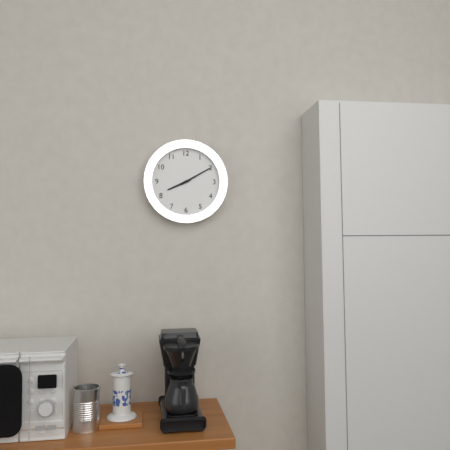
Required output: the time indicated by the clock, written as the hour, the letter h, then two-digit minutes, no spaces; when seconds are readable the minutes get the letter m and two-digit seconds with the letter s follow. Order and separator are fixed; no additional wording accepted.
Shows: 8h10
